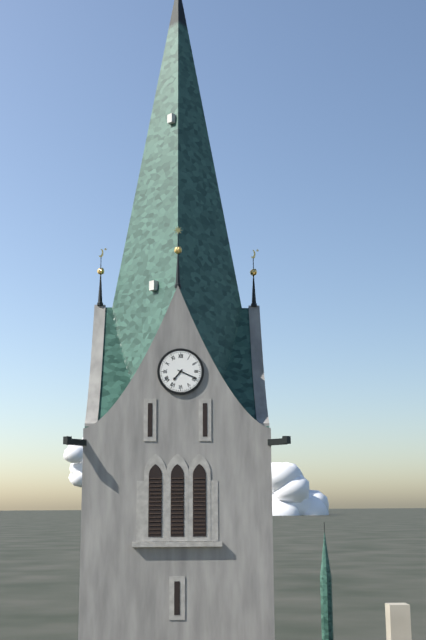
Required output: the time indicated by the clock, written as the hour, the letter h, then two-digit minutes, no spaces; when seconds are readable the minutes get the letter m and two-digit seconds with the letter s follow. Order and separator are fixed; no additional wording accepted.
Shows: 7h19
